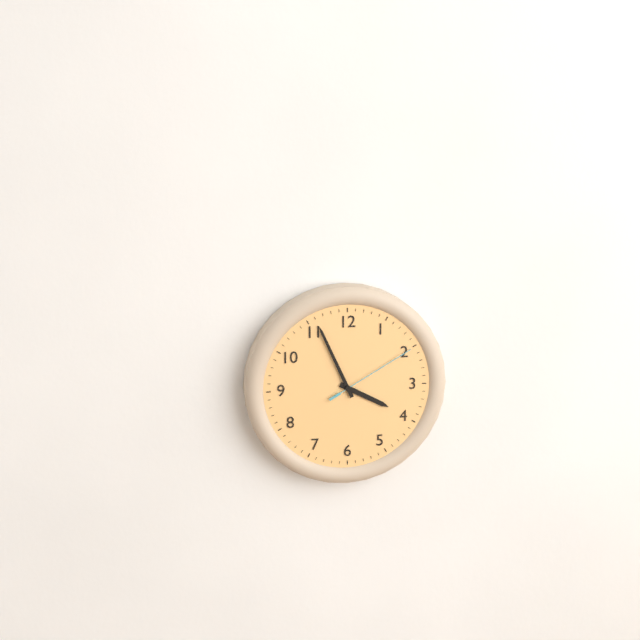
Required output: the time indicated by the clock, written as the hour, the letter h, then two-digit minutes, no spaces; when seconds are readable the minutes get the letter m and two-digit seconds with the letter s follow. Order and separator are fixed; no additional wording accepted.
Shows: 3h56m10s
